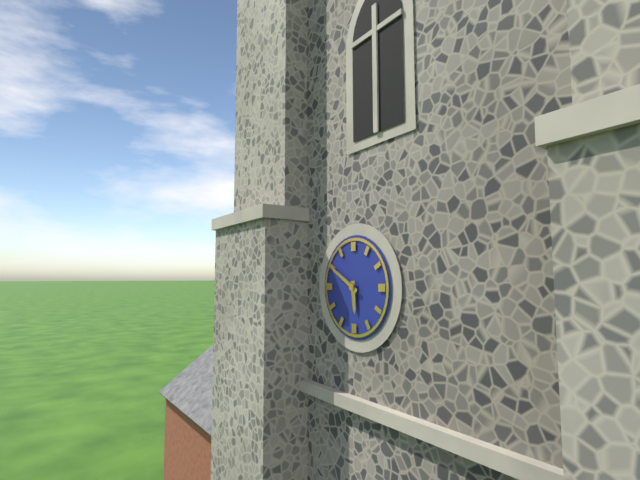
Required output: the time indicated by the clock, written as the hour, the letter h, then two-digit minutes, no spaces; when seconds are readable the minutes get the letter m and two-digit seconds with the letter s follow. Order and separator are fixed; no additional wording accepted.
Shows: 5h50
